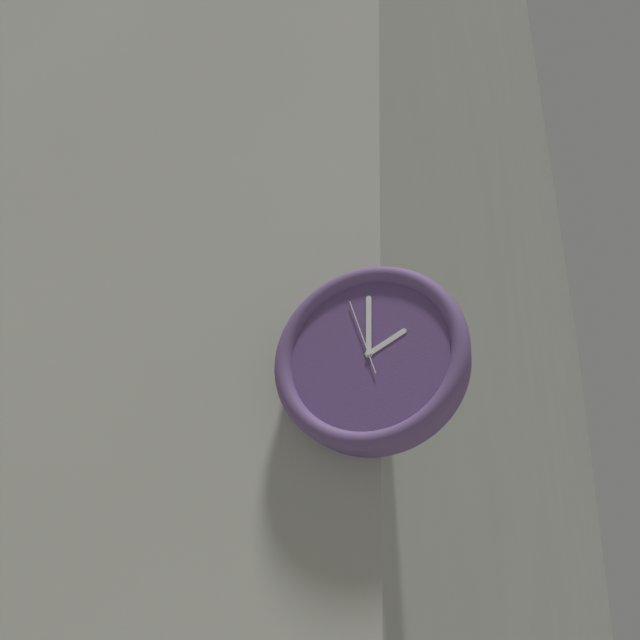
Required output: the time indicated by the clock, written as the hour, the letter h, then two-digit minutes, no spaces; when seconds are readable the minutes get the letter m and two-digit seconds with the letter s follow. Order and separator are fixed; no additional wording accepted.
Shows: 2h00m57s
